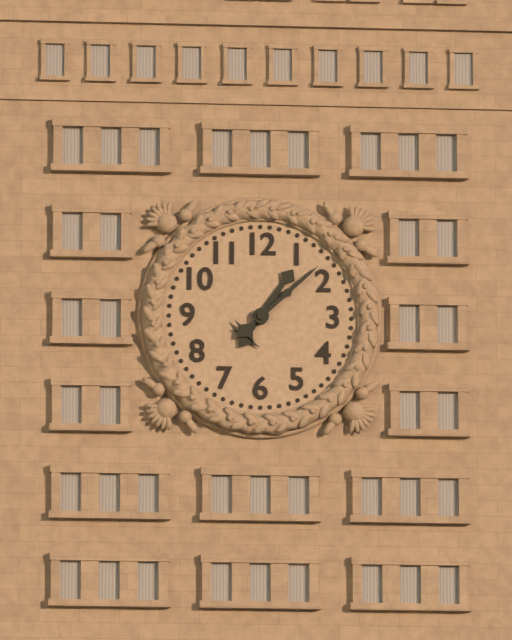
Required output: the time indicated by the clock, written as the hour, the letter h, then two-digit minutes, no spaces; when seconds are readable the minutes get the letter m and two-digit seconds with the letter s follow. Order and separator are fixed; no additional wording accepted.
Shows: 1h08
